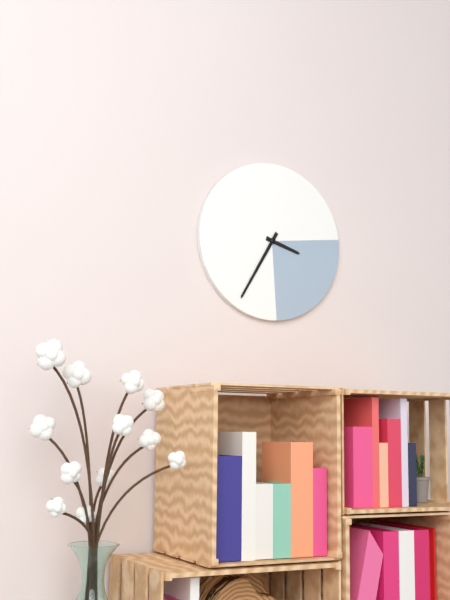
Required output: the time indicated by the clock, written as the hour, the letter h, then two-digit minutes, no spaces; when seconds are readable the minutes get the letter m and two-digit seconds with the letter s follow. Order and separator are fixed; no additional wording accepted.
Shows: 3h35
